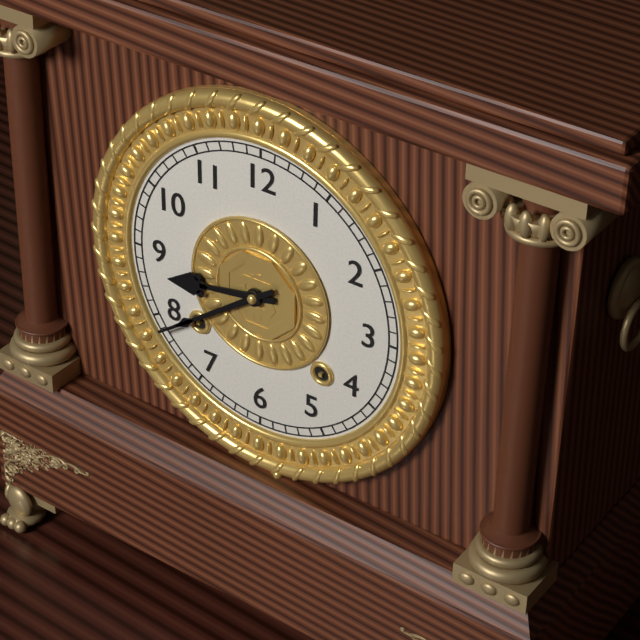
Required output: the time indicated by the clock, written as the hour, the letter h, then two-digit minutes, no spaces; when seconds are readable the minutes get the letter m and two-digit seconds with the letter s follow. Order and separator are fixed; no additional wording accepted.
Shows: 8h39
